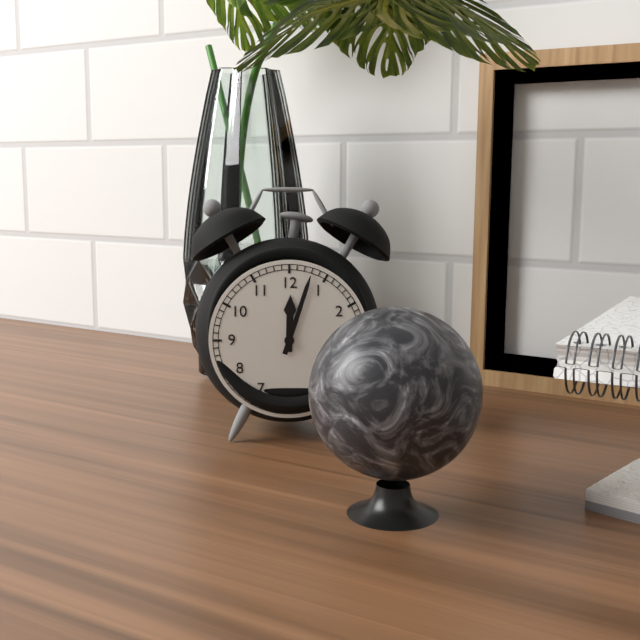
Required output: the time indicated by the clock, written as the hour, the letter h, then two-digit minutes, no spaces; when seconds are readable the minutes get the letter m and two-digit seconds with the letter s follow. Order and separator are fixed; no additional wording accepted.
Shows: 12h03
